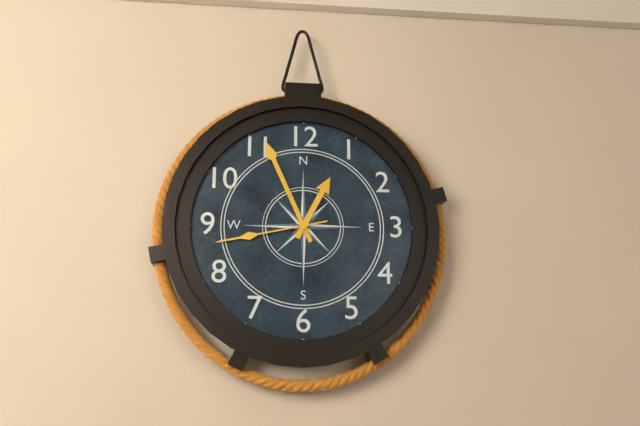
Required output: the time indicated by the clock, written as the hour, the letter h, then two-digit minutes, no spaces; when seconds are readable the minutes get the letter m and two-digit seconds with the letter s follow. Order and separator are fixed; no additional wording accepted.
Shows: 12h56m43s
